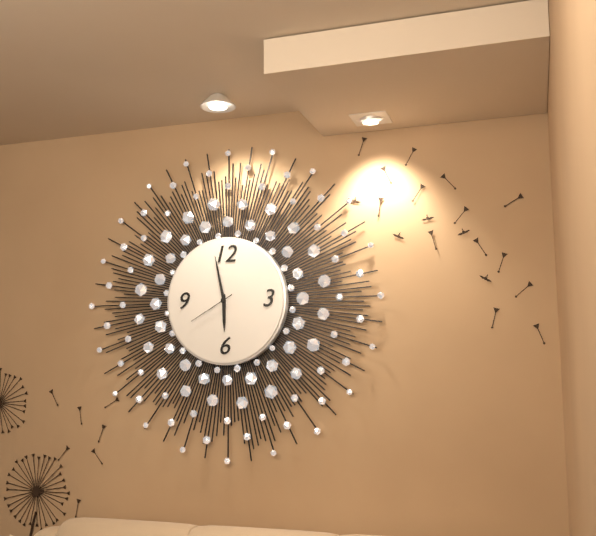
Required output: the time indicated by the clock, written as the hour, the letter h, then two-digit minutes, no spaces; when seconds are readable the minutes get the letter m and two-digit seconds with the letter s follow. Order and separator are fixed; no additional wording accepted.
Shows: 5h58
